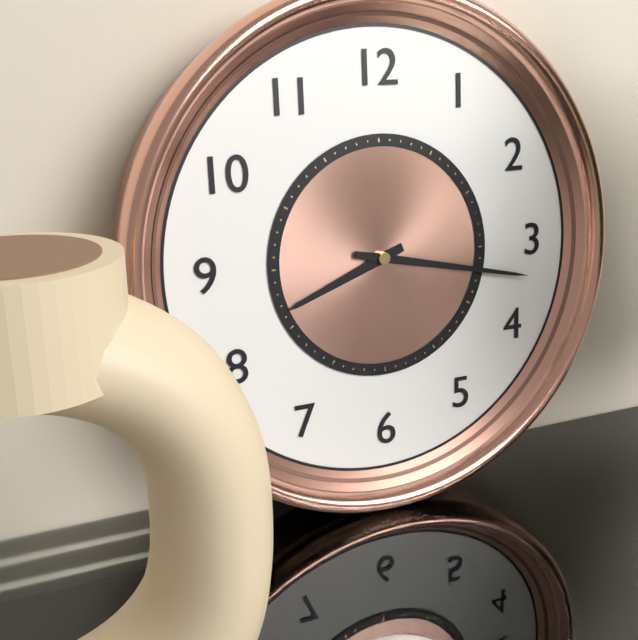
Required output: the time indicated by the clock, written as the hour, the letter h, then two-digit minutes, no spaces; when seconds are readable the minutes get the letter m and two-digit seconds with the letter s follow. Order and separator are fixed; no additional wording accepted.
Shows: 8h17
